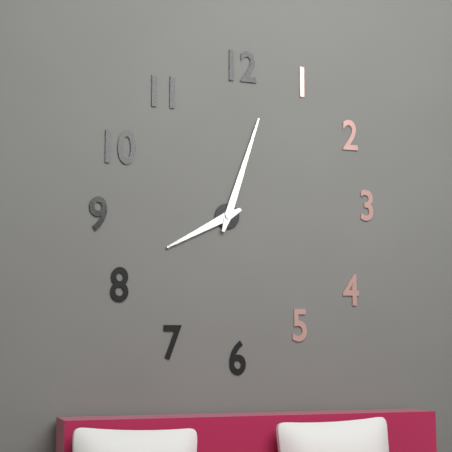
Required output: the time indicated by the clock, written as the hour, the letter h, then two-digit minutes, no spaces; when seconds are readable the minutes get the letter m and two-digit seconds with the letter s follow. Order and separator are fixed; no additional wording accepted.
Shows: 8h03
